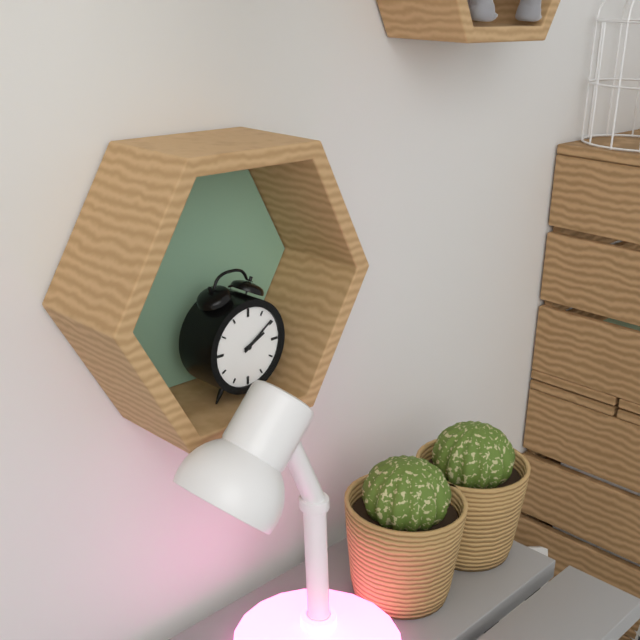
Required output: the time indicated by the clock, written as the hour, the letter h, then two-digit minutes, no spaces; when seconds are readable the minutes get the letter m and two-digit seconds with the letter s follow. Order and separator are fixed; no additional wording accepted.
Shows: 2h09
